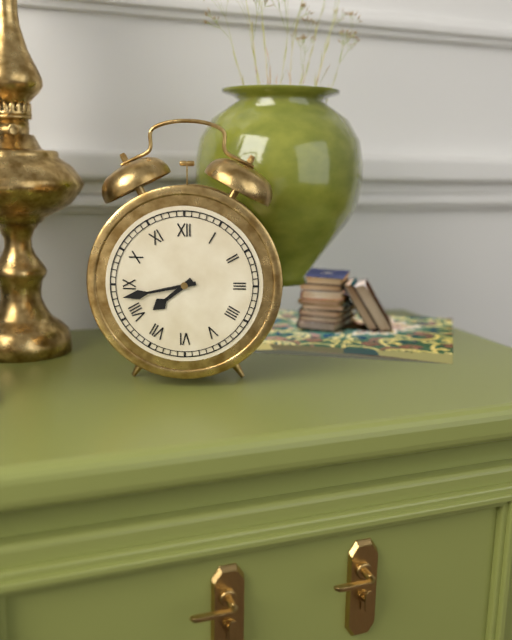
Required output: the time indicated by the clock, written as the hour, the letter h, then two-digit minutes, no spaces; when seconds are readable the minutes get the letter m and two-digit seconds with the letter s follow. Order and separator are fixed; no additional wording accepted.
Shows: 7h43
